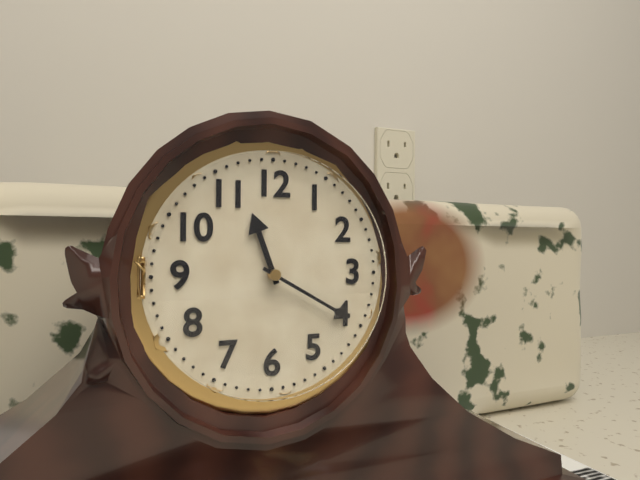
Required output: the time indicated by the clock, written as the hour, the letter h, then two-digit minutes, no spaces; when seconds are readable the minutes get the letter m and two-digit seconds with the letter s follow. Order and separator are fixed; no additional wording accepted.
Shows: 11h20
